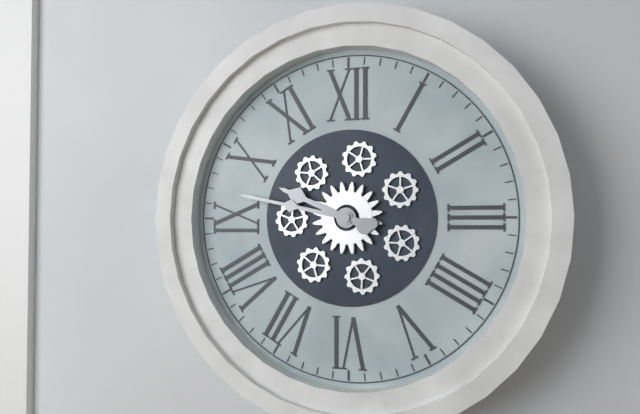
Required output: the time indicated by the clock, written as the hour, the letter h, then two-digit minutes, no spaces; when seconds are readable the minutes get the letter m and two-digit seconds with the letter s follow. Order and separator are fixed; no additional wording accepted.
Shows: 9h47
